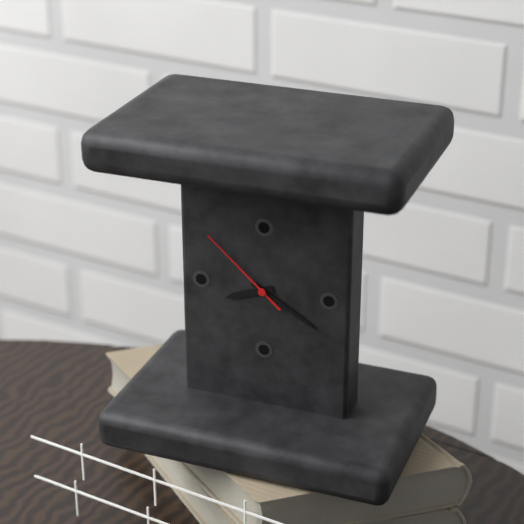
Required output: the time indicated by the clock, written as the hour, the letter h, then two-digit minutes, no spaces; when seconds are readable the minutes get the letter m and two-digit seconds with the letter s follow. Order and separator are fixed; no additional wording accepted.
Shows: 8h20m52s
